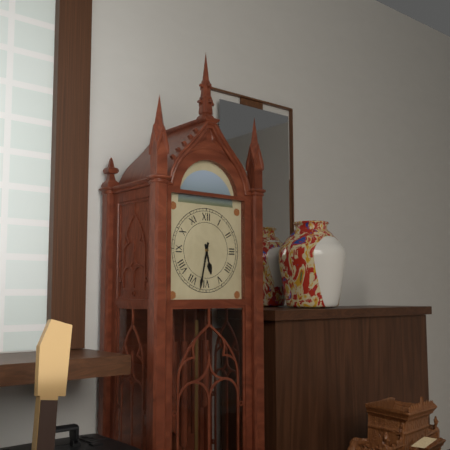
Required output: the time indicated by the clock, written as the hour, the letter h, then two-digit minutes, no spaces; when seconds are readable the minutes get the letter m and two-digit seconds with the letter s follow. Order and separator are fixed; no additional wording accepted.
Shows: 5h32
